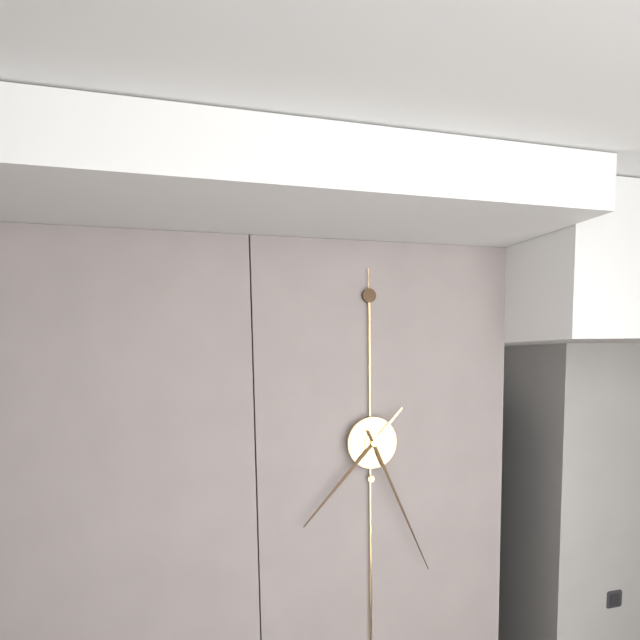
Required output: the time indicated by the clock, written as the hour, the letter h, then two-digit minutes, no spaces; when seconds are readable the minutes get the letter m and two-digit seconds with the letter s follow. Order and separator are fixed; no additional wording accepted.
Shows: 7h26
